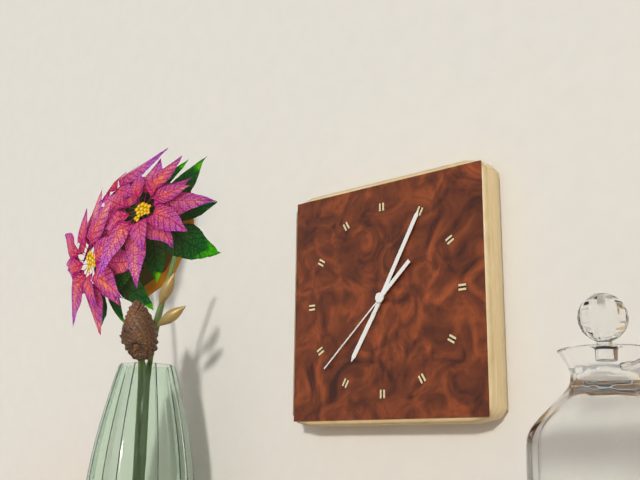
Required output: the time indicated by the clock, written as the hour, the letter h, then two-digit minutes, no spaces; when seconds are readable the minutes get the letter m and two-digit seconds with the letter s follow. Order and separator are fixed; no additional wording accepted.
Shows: 7h05m38s
